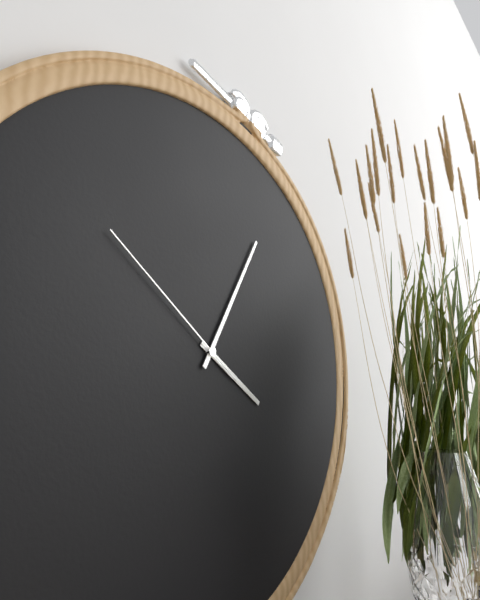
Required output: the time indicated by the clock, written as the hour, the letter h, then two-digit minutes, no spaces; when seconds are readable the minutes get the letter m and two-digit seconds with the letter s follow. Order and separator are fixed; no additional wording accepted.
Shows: 4h05m51s
